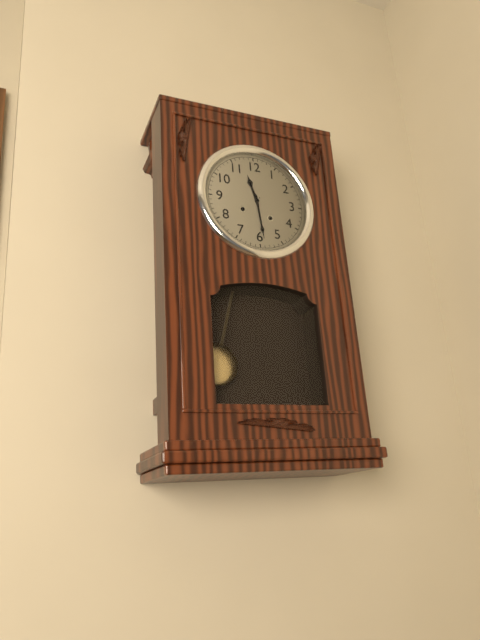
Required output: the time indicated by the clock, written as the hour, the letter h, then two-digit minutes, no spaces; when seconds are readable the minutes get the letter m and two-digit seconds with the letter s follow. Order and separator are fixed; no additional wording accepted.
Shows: 11h29
